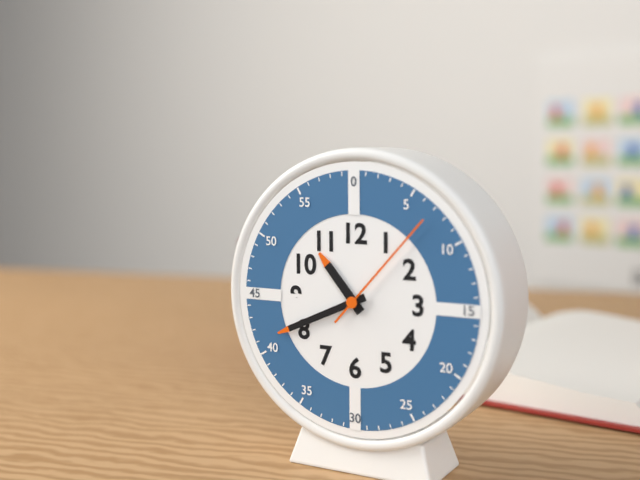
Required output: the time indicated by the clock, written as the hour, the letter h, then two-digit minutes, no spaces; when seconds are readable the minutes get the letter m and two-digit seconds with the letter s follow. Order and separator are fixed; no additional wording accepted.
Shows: 10h41m07s
